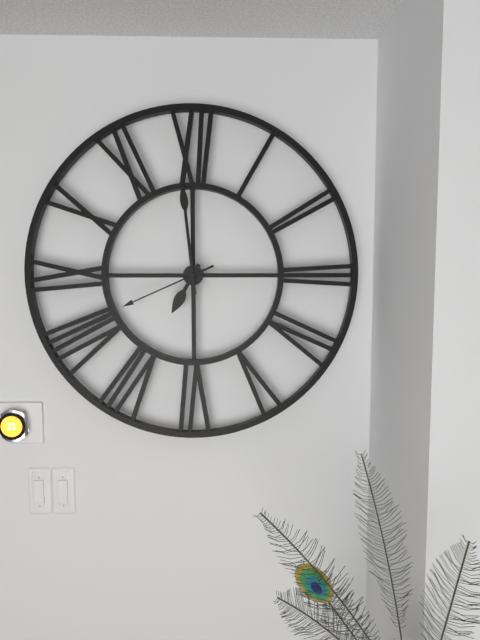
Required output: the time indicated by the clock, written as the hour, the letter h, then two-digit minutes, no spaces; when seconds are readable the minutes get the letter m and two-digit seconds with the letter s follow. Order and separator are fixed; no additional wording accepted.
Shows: 6h59m41s
